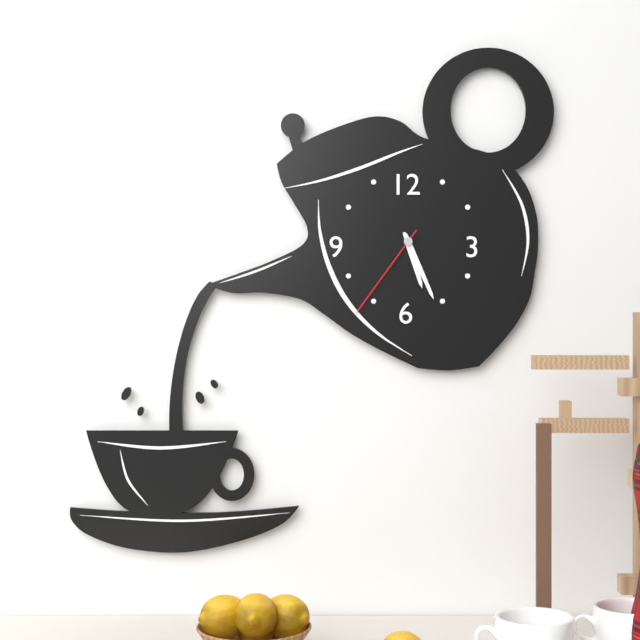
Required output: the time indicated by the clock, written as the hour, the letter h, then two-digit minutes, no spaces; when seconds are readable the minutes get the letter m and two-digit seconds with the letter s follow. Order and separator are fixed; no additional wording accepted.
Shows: 5h26m36s
